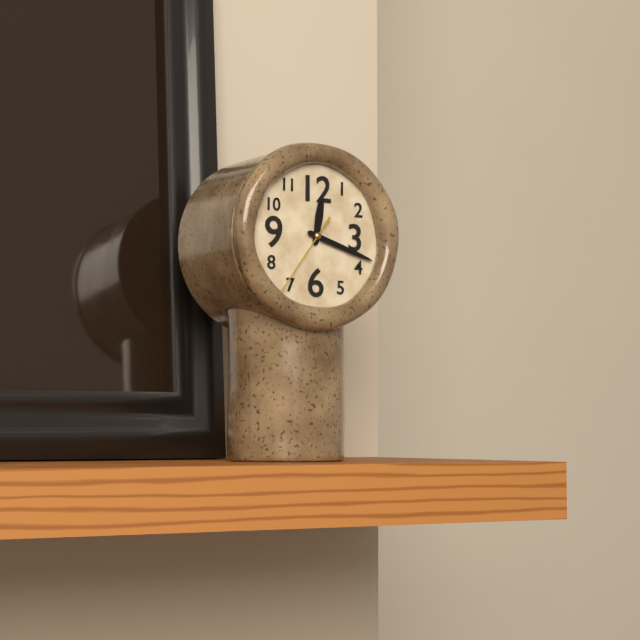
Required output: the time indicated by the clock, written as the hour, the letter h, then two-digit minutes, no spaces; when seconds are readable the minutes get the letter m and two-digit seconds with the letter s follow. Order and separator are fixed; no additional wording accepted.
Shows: 12h18m36s
